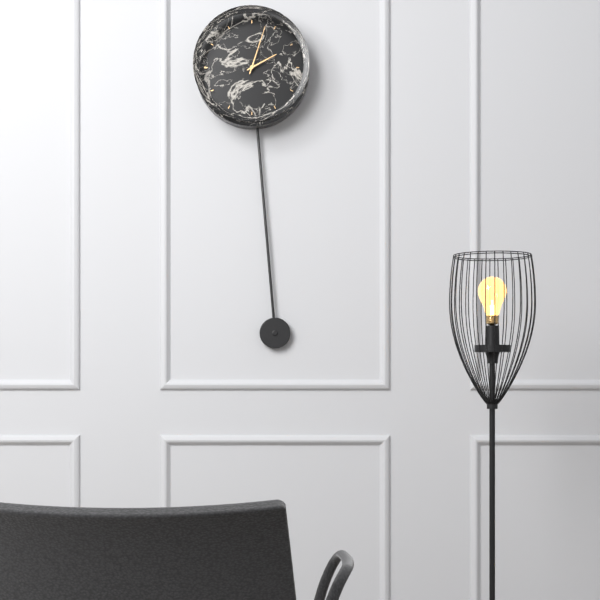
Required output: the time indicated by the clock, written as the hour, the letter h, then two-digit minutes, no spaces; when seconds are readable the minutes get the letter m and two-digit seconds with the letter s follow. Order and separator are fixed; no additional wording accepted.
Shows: 2h03
